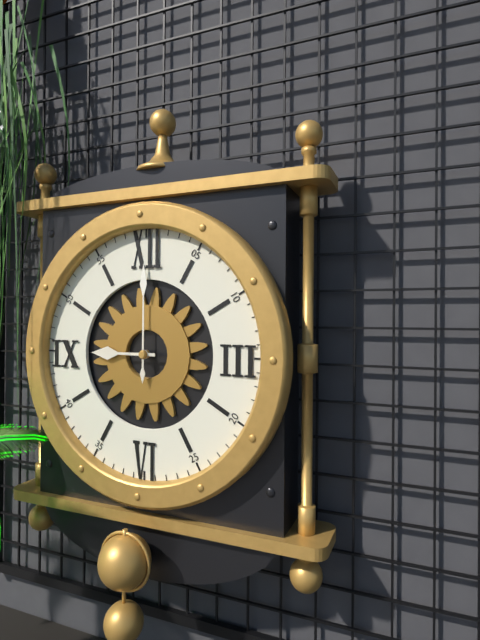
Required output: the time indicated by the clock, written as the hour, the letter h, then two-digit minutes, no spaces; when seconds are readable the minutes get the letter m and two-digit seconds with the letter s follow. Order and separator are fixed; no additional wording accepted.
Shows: 9h00
